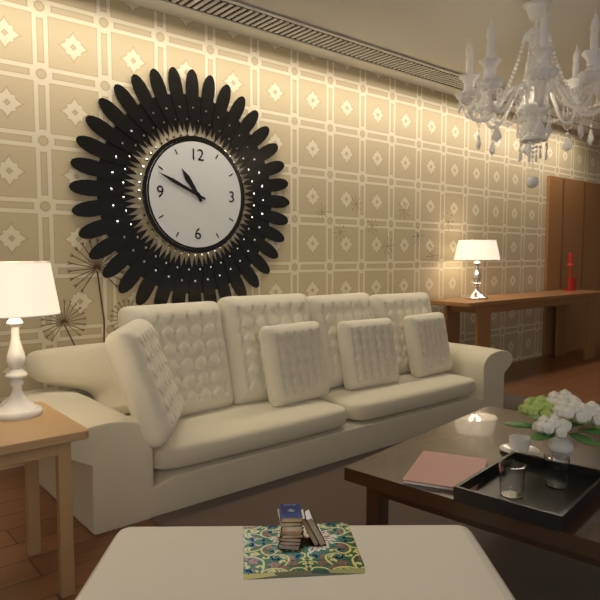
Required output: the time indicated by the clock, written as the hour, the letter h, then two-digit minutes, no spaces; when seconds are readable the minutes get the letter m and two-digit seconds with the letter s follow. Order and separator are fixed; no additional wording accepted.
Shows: 10h49
